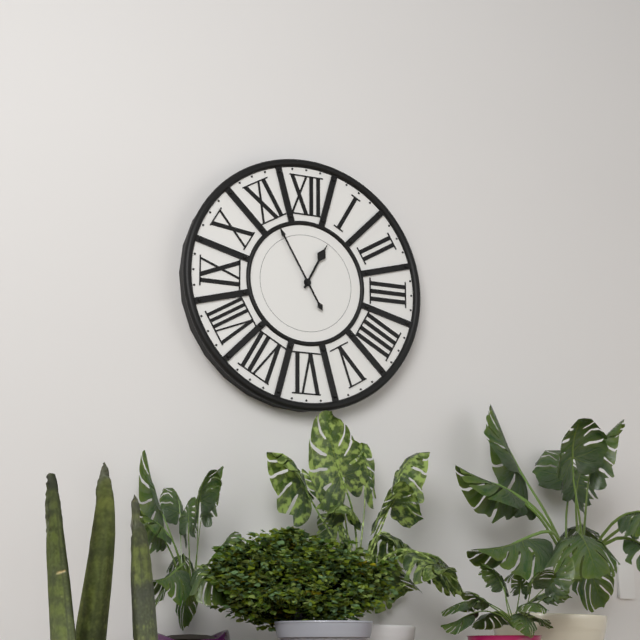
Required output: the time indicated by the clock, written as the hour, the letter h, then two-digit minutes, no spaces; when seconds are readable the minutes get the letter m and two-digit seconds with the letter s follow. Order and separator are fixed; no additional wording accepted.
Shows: 12h55
